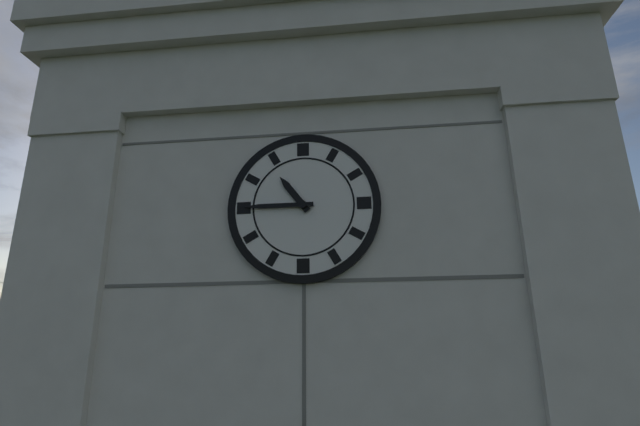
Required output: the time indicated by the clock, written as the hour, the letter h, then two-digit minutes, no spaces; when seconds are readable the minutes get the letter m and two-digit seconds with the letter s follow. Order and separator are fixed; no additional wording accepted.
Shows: 10h45
